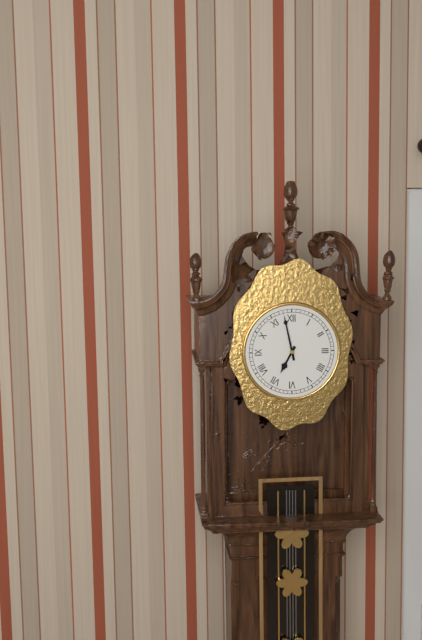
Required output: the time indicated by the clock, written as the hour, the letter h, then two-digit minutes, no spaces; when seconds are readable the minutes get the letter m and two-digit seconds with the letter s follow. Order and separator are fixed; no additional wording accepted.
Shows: 6h58
